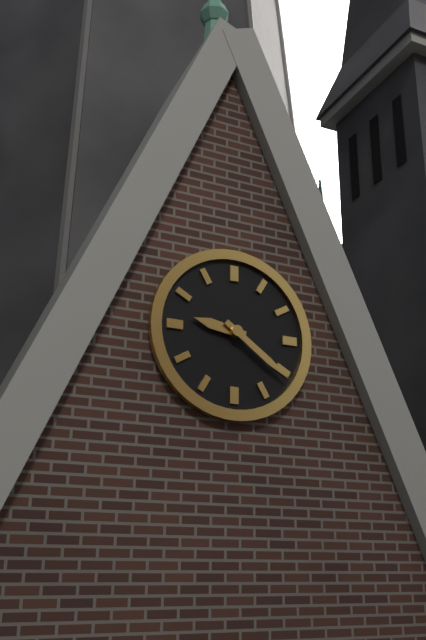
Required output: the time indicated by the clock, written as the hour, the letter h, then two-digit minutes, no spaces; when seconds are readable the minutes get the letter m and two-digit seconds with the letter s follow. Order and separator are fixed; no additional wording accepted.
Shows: 9h21
